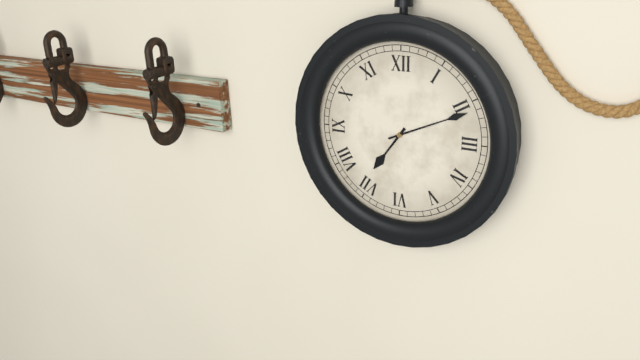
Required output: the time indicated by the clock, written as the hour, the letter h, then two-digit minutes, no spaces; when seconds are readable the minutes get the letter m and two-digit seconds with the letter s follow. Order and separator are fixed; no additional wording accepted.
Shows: 7h11
